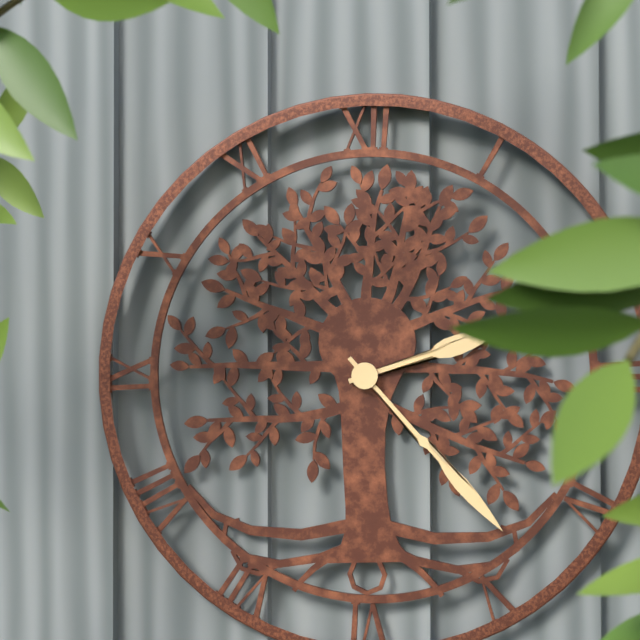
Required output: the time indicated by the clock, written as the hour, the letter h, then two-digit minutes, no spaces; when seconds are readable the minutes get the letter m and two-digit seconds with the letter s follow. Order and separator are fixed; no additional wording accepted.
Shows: 2h23
